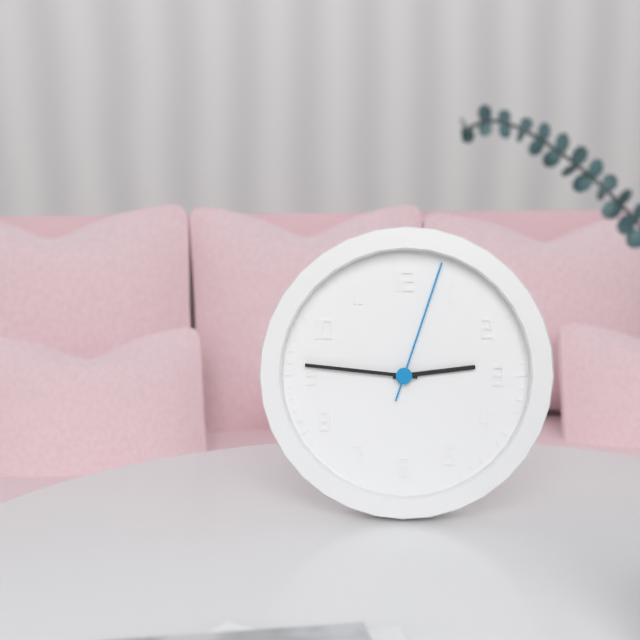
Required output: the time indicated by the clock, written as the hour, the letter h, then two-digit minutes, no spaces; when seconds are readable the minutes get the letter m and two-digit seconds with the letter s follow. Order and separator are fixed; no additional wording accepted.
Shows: 2h46m03s
